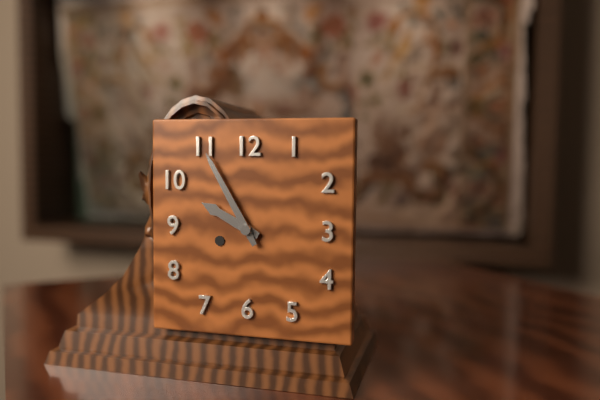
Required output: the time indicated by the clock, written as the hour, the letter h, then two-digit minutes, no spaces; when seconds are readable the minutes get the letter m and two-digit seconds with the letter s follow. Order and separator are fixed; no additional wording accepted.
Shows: 9h55
